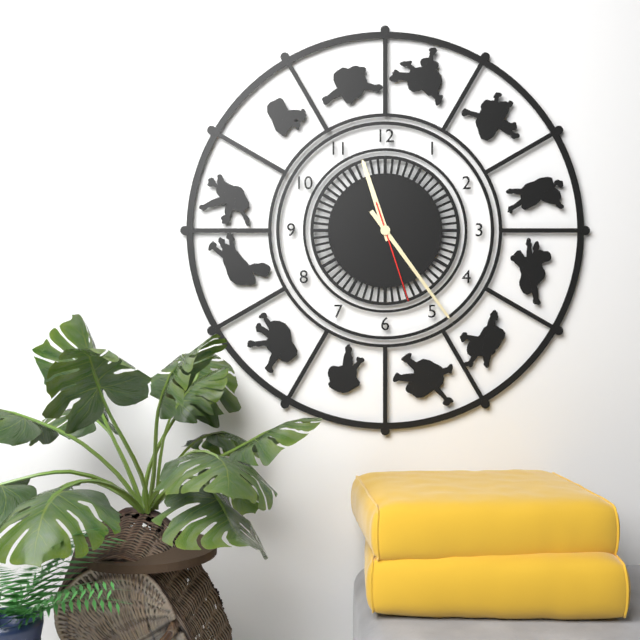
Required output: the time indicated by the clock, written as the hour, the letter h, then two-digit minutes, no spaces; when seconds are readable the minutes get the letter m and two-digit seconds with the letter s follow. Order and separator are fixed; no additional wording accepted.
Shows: 11h24m27s
